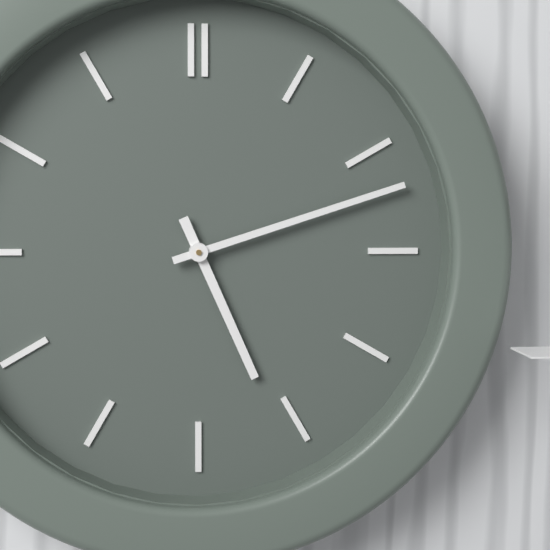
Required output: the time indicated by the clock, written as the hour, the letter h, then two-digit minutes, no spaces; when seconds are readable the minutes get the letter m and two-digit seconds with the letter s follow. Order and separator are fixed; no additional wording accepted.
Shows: 5h12
